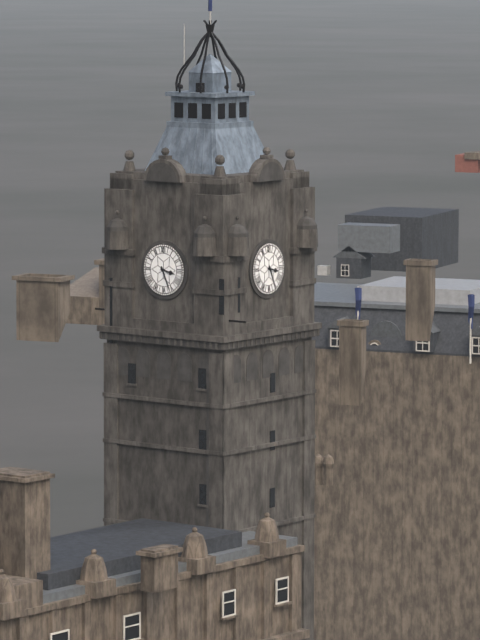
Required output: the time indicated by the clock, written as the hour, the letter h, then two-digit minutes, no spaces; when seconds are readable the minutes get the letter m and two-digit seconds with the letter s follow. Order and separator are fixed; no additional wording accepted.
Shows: 3h26
